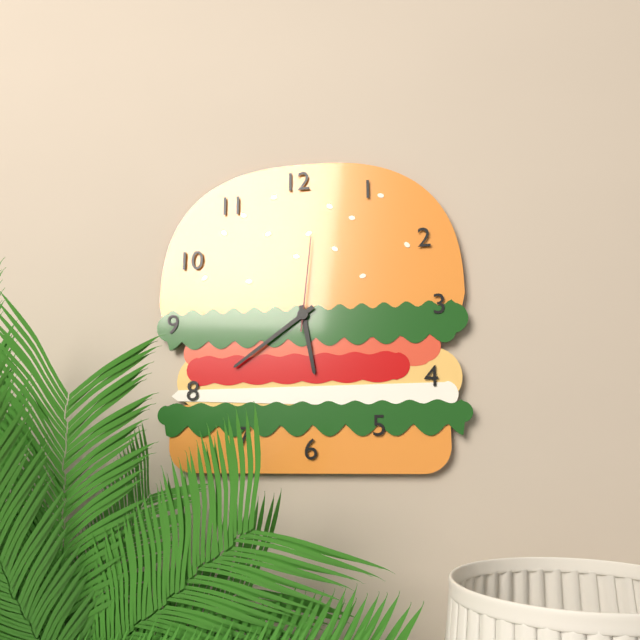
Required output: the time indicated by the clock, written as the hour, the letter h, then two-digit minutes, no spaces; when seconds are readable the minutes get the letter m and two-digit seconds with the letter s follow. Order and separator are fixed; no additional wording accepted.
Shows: 5h39m01s
